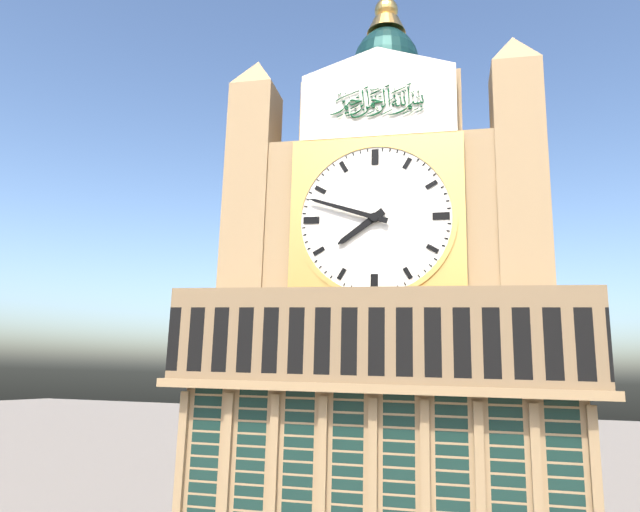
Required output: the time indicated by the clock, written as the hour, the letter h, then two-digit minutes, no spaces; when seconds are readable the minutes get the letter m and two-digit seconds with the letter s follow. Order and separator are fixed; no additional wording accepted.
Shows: 7h48
